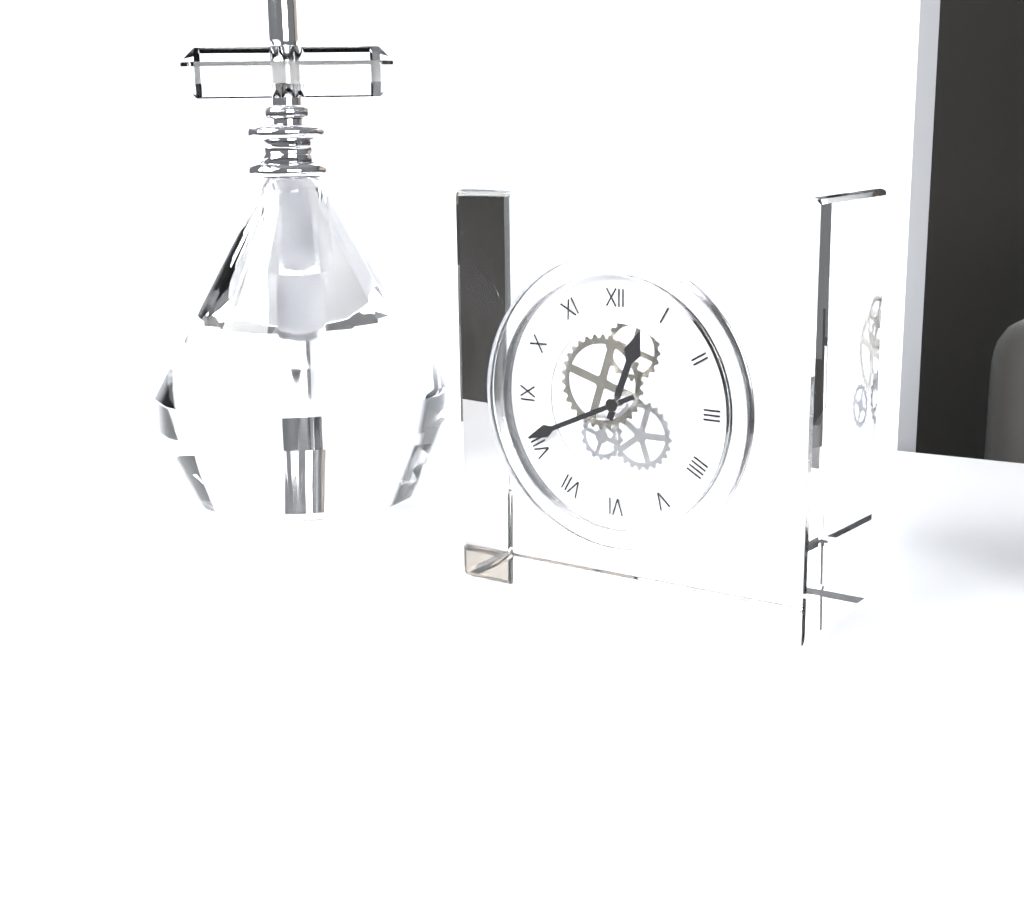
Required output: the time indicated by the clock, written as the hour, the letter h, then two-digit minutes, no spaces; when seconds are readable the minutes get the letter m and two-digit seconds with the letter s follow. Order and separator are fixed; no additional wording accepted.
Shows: 12h41
